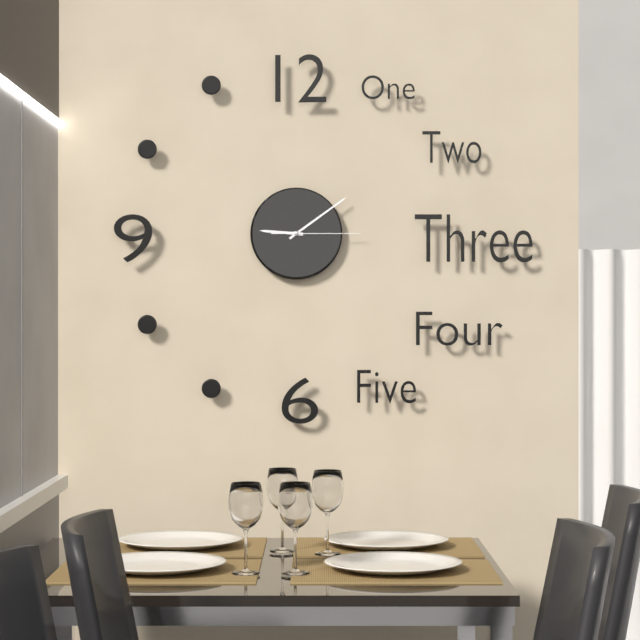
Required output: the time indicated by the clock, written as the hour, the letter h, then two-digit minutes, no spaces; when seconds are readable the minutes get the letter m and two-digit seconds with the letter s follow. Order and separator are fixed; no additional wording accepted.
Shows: 9h09m15s
